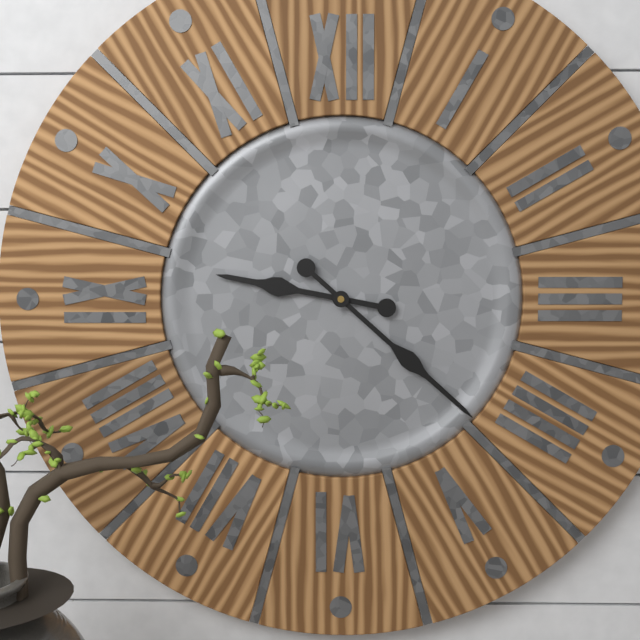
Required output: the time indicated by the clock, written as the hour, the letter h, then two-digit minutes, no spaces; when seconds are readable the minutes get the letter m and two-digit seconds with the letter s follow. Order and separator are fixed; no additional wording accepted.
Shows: 9h22
